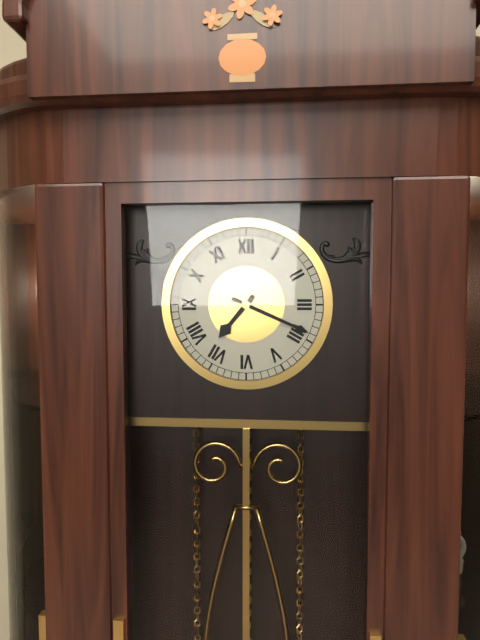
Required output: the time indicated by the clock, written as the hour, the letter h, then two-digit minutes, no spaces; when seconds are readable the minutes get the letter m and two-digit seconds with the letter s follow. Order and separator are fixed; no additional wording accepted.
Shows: 7h19
